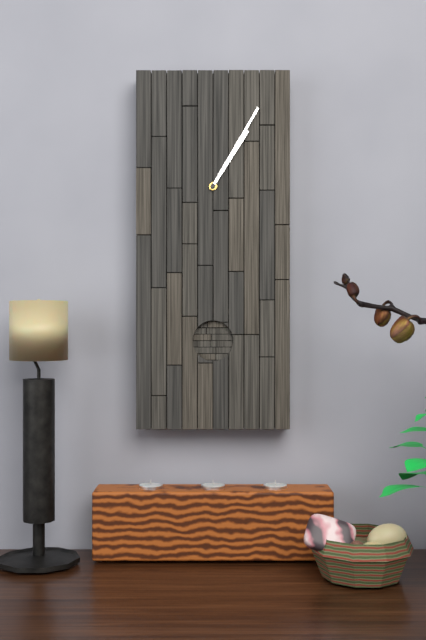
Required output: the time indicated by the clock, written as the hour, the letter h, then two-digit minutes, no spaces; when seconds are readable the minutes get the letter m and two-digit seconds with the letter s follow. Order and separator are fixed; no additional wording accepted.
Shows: 1h05
